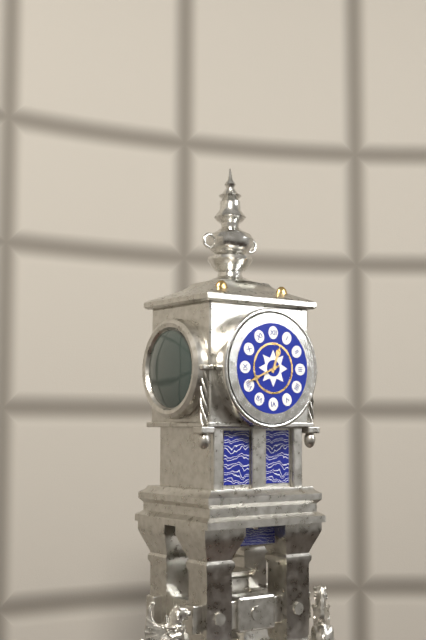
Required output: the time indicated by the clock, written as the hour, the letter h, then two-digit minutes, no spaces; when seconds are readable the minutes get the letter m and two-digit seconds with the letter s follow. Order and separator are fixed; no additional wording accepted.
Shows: 12h41
